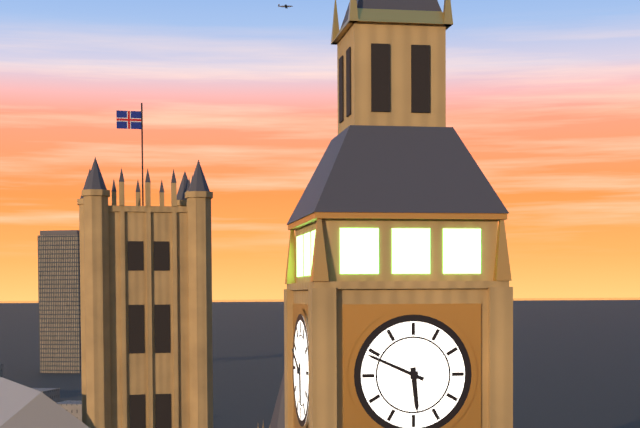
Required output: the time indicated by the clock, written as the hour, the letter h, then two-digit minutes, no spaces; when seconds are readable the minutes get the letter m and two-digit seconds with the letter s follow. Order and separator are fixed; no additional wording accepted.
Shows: 5h49
